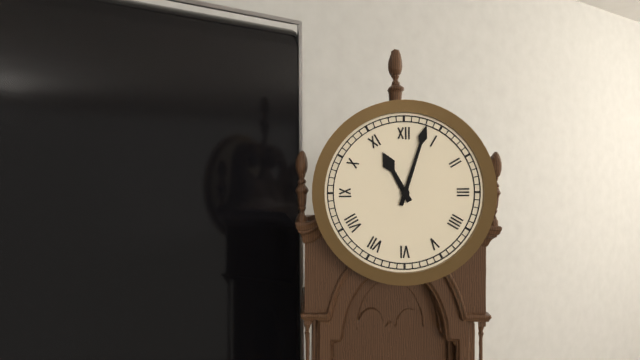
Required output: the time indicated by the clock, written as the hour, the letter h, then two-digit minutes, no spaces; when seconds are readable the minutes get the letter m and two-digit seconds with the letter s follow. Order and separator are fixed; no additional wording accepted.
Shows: 11h03
